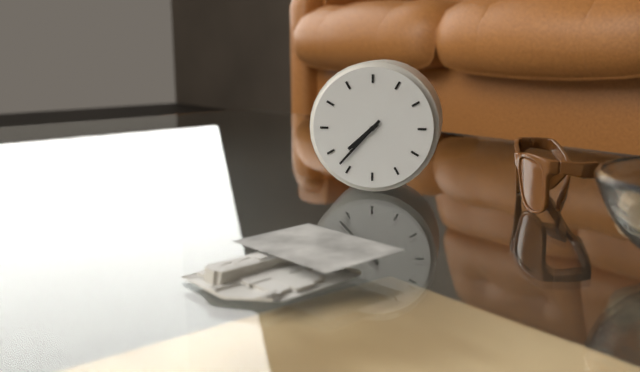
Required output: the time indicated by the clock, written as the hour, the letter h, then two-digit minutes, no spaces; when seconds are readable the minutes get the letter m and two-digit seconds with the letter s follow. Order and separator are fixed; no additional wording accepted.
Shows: 7h37
